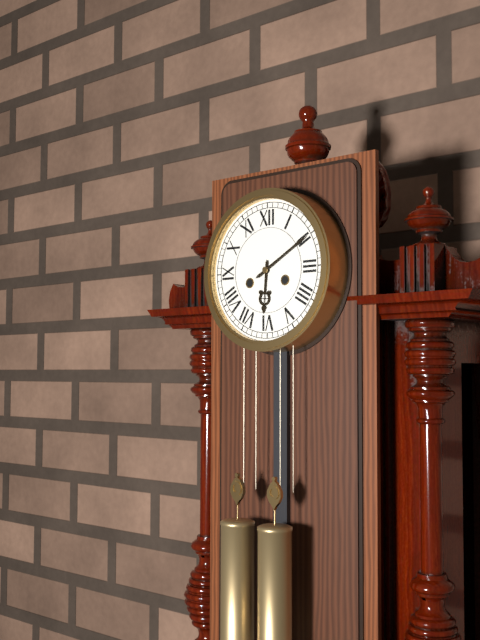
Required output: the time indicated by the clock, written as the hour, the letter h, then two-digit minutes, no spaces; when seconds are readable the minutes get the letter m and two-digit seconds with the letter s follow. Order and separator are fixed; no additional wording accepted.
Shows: 6h10
